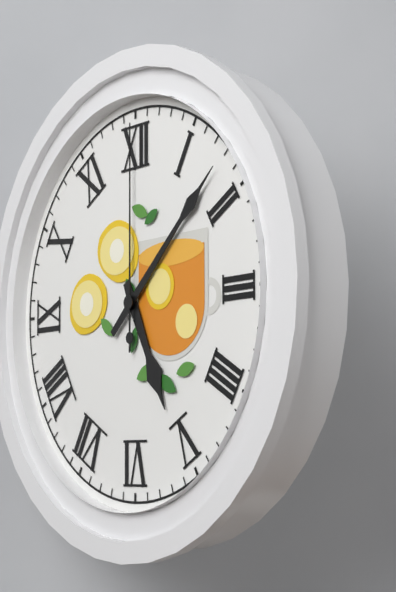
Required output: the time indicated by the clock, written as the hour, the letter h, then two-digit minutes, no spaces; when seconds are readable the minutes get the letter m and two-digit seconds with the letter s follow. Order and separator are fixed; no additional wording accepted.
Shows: 5h08m00s
